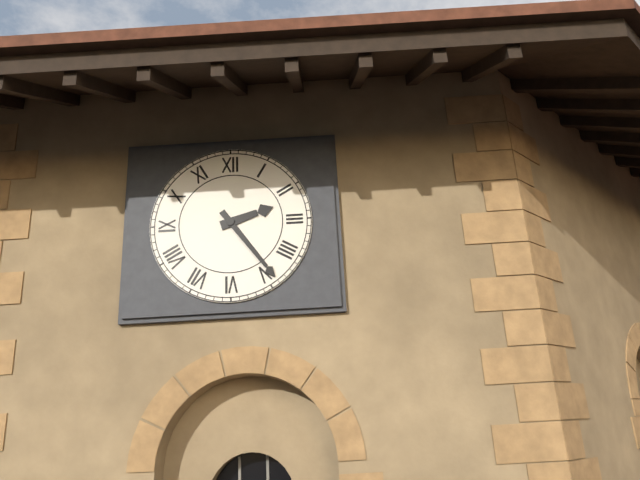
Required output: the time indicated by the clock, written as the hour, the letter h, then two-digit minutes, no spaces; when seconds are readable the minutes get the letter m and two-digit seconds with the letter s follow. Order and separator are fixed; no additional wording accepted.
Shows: 2h24
